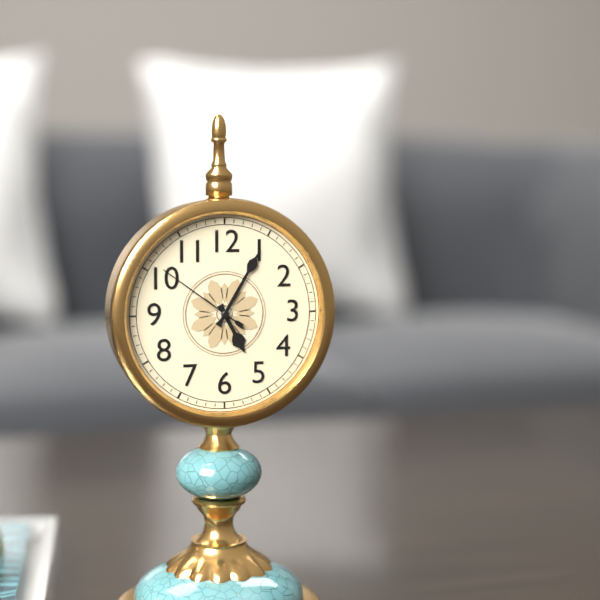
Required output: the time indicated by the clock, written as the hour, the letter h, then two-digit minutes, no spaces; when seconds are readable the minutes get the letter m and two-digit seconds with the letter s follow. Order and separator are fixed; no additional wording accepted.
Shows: 5h05m51s
